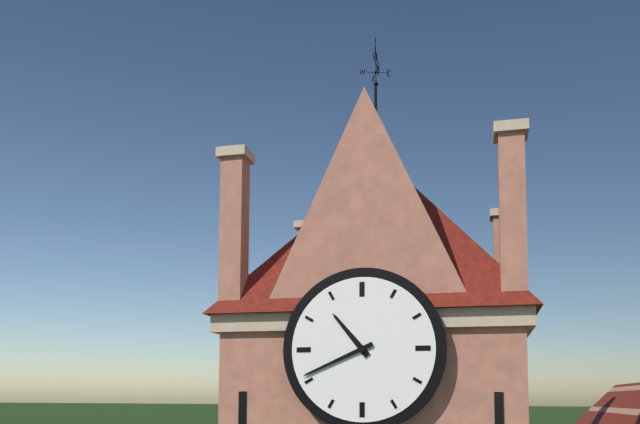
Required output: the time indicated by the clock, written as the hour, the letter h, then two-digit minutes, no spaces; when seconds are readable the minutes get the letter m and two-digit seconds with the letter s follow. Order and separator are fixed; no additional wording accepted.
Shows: 10h41
